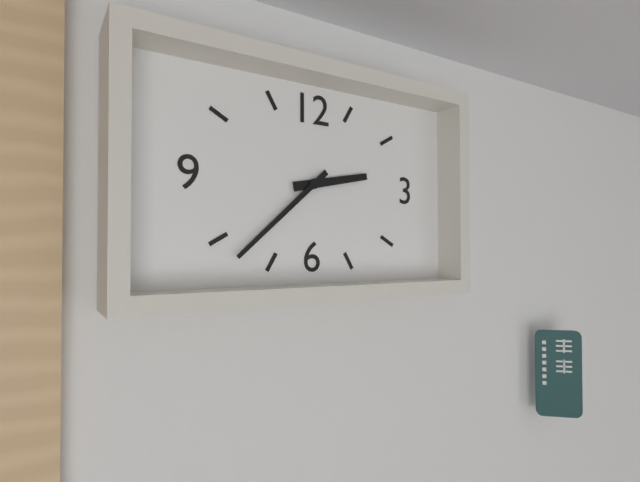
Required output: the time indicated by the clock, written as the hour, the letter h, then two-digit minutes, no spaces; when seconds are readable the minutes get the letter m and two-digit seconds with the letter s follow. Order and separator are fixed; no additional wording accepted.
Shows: 2h38
